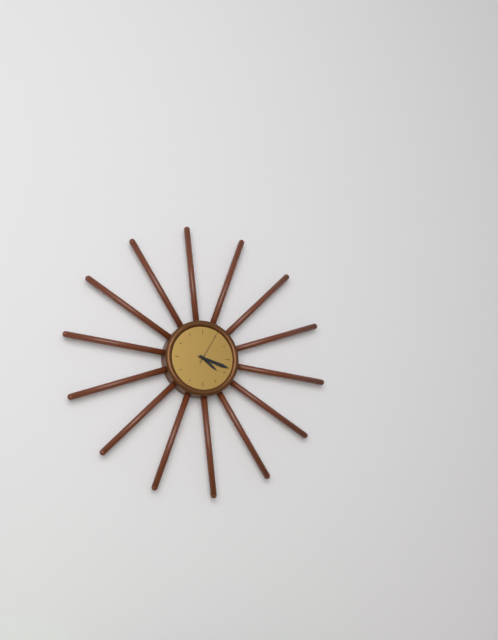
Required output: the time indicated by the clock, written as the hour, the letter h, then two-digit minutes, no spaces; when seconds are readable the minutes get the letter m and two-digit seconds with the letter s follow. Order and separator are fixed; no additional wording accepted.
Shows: 4h18
